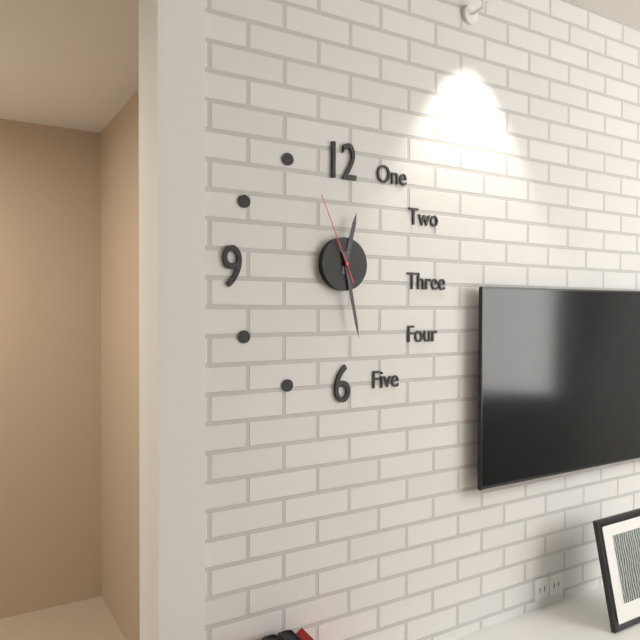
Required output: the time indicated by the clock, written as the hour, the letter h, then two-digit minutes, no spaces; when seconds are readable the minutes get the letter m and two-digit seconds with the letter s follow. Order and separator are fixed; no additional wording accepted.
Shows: 12h28m56s
